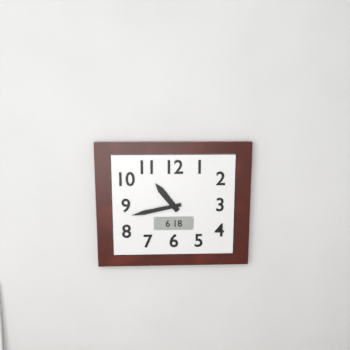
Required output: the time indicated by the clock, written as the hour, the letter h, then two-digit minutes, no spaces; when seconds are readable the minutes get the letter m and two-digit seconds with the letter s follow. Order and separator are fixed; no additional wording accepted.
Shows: 10h43
